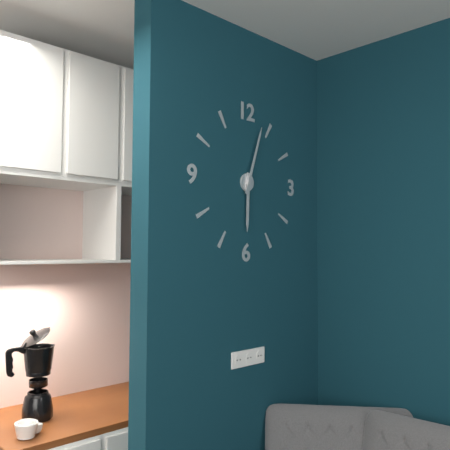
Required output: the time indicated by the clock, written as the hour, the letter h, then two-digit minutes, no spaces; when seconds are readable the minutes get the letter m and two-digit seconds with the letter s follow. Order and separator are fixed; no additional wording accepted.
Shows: 6h03
